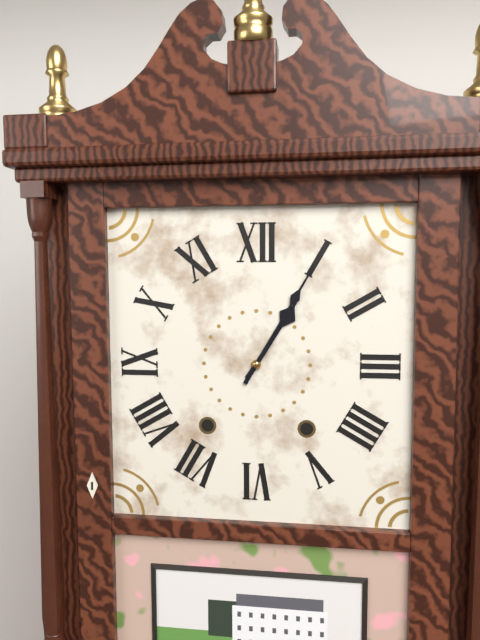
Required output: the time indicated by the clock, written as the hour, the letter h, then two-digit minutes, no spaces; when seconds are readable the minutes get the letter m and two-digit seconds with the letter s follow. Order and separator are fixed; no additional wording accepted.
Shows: 1h05
